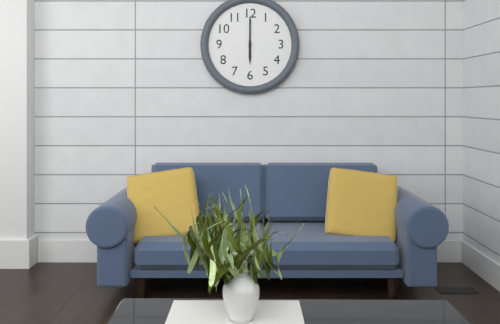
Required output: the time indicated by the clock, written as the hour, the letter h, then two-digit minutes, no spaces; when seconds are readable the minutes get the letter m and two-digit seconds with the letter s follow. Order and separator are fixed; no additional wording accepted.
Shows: 6h00
